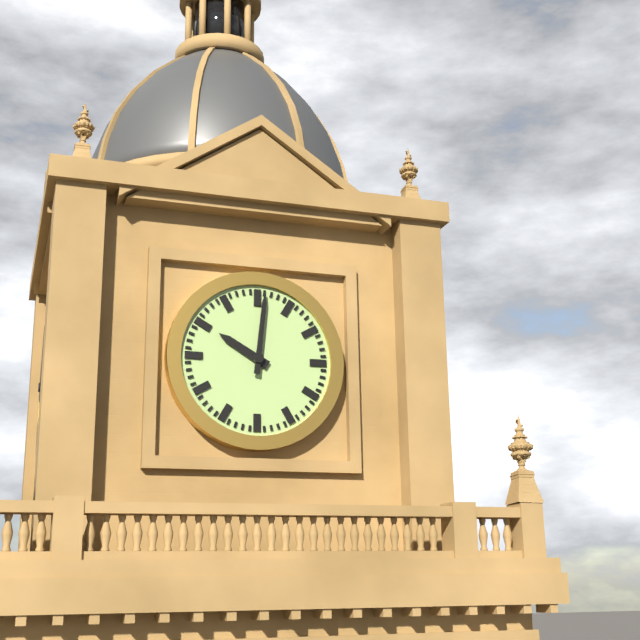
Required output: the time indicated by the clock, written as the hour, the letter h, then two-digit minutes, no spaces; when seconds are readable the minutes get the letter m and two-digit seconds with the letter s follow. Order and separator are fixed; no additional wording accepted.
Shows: 10h01
